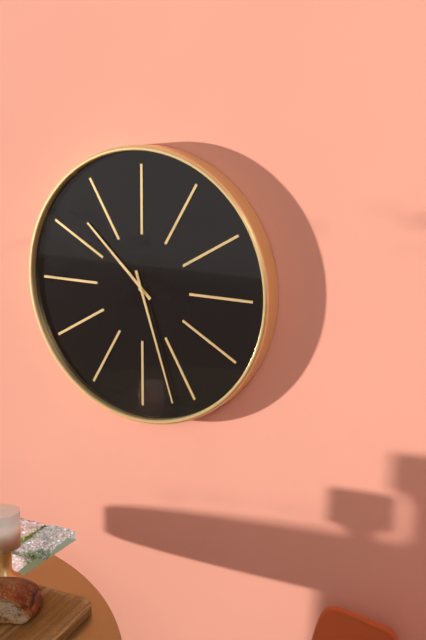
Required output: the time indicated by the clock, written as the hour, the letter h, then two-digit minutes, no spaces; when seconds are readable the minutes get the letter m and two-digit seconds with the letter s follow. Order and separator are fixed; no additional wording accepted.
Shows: 10h27
